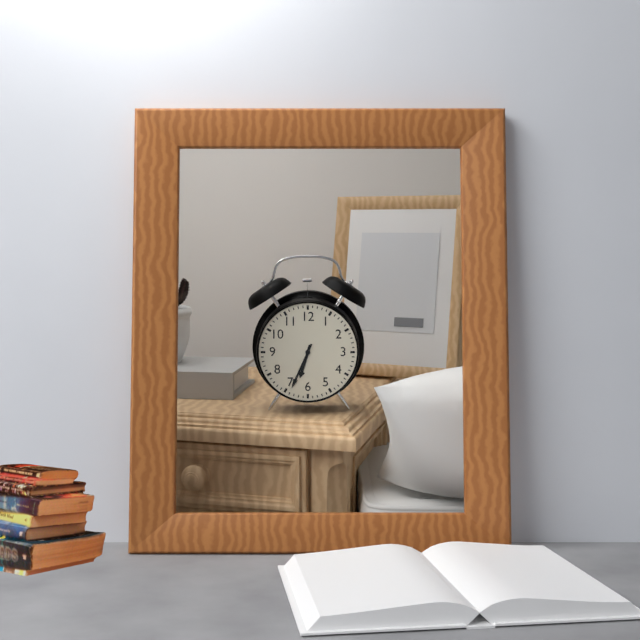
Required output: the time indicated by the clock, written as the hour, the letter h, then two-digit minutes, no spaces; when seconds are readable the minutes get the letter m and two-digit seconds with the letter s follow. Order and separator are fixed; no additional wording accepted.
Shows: 6h34
